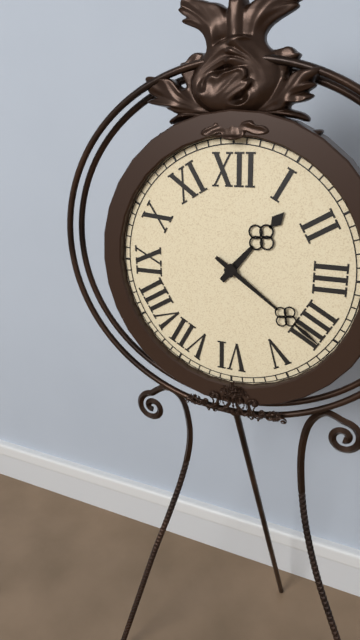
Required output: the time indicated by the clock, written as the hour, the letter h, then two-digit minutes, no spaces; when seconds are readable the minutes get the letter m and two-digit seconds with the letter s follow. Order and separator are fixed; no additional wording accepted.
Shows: 1h21
